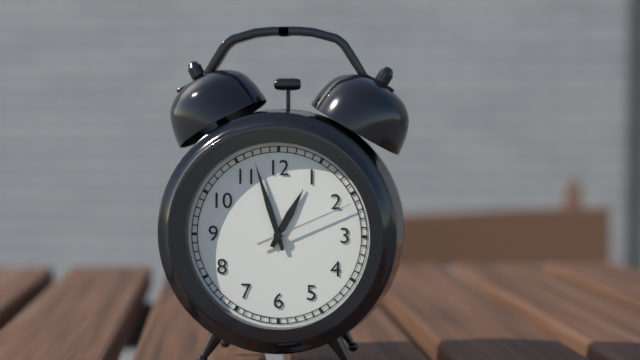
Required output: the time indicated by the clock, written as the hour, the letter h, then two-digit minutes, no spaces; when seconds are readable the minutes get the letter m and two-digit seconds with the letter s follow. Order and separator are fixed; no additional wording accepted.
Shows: 12h57m11s
